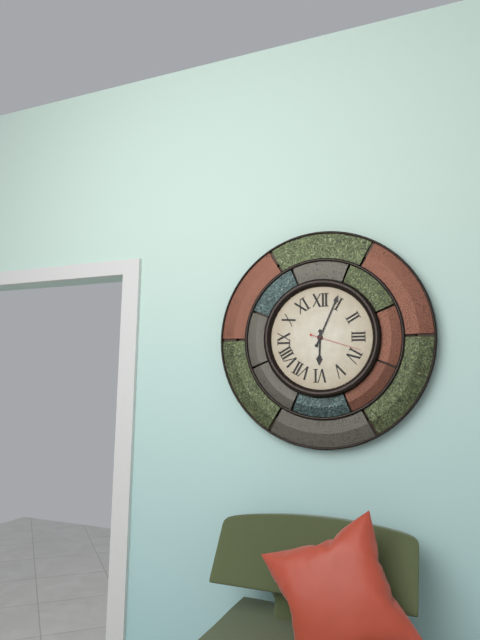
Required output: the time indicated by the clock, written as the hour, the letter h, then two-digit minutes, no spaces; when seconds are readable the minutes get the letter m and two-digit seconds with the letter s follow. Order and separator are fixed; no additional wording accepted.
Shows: 6h04m18s
